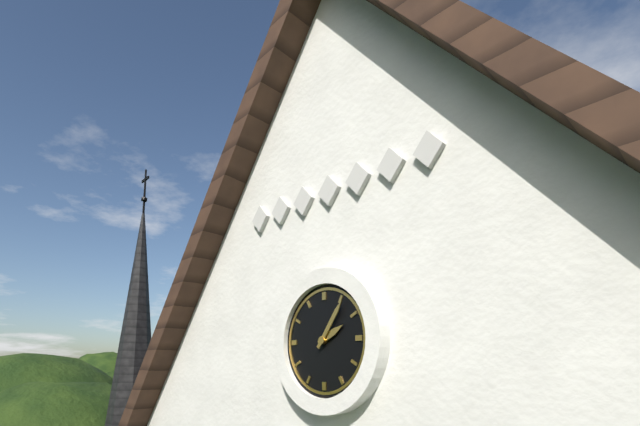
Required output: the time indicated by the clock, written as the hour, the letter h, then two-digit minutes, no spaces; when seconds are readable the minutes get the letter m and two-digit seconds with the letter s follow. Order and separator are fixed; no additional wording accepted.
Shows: 2h06
